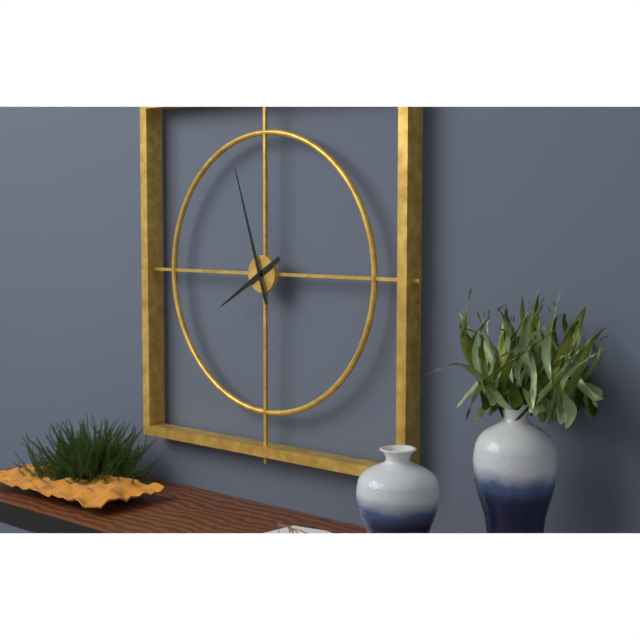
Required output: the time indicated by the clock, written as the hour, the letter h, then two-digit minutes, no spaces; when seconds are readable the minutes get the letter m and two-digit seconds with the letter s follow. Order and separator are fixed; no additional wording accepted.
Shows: 7h57
